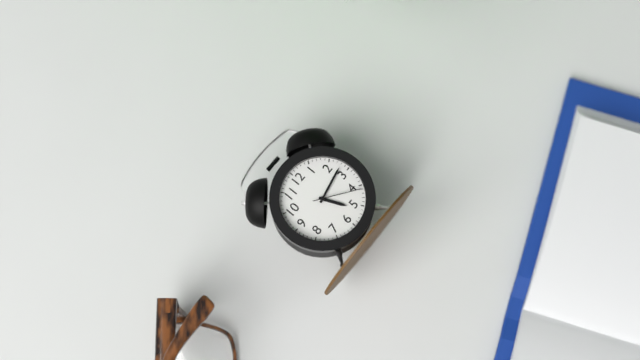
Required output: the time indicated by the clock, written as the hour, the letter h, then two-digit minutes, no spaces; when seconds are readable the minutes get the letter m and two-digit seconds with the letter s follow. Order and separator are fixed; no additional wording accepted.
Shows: 5h13m21s
